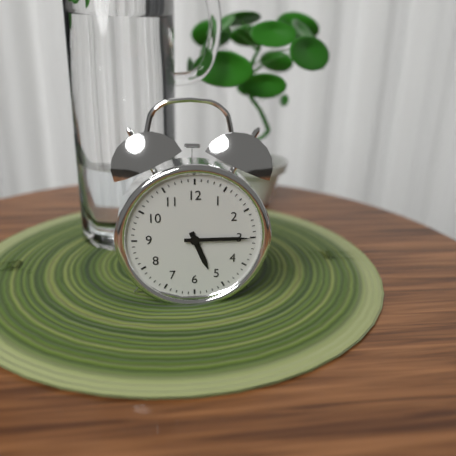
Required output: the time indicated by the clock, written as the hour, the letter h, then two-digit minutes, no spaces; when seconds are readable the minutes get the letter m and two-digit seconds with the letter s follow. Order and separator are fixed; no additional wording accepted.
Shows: 5h15
